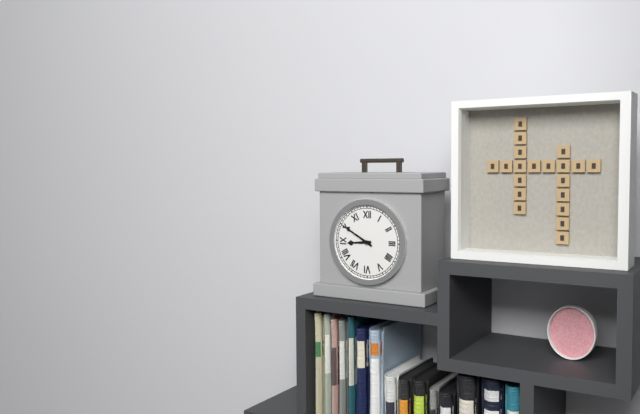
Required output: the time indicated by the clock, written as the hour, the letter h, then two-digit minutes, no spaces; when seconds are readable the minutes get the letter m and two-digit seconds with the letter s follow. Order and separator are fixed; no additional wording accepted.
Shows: 8h50
